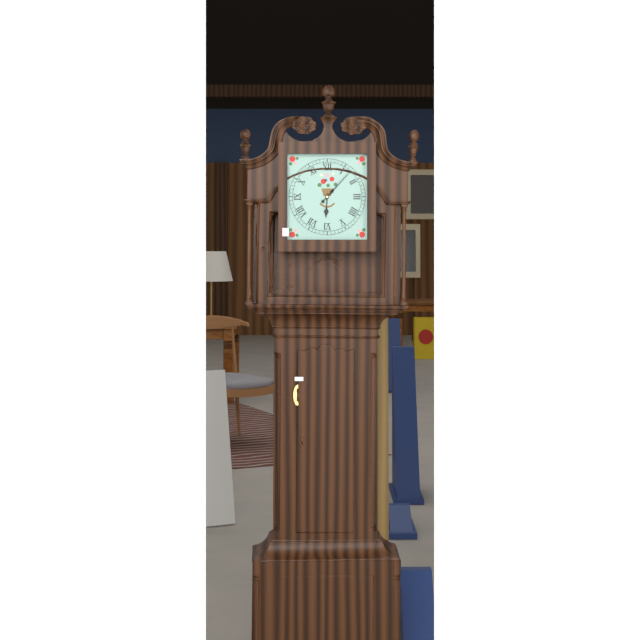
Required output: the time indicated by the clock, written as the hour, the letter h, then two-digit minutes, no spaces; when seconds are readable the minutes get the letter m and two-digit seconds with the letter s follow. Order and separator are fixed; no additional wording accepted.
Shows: 6h07
